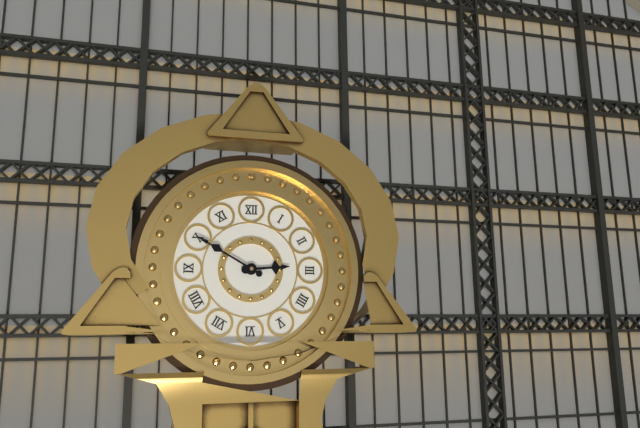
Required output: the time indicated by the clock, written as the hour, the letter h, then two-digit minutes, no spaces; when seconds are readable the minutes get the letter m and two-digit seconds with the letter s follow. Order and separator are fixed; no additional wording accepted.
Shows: 2h50
